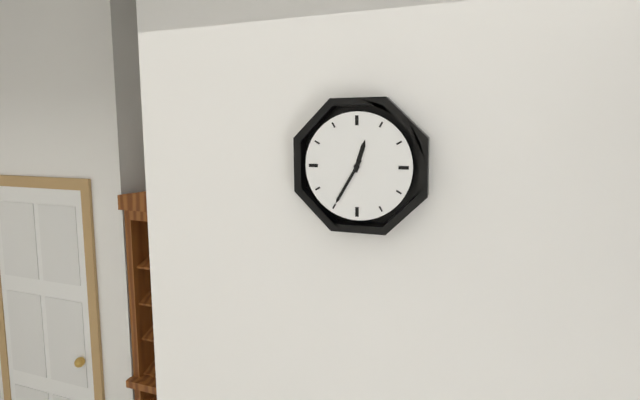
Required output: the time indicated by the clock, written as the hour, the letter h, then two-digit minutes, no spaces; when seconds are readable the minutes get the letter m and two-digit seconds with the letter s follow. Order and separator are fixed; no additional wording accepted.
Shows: 12h35
